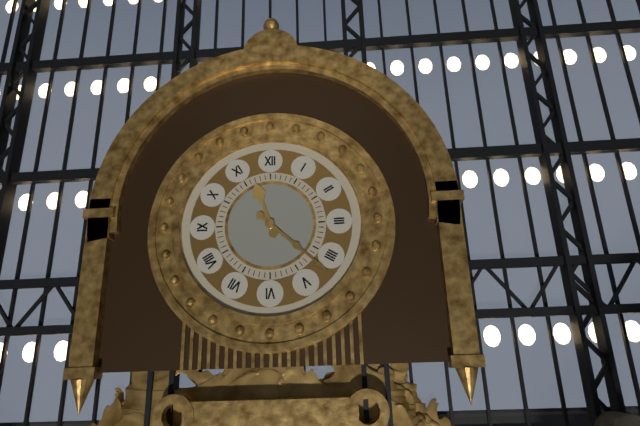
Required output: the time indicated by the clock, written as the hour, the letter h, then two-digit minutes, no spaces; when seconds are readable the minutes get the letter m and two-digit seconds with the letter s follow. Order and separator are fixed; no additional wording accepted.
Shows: 11h22
